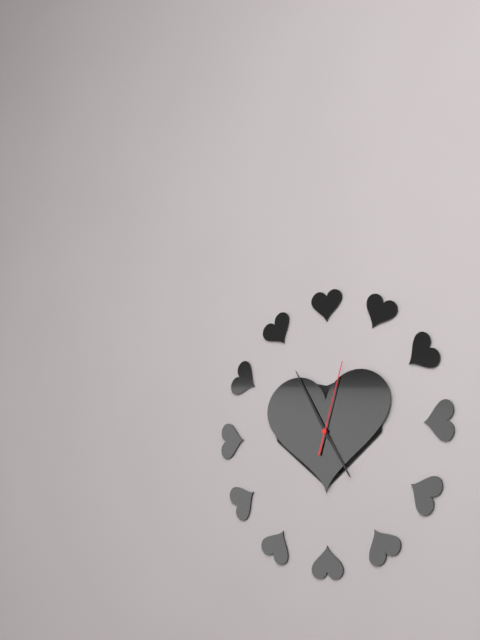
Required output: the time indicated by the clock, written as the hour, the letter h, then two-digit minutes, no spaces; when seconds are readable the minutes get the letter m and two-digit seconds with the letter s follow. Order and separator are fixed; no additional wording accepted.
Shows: 4h55m03s
